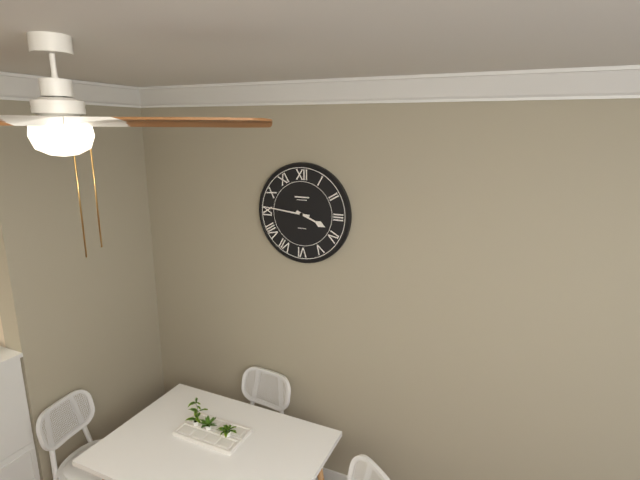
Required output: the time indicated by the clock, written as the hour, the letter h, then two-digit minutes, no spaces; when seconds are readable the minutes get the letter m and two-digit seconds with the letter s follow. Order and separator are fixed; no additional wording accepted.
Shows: 3h46
